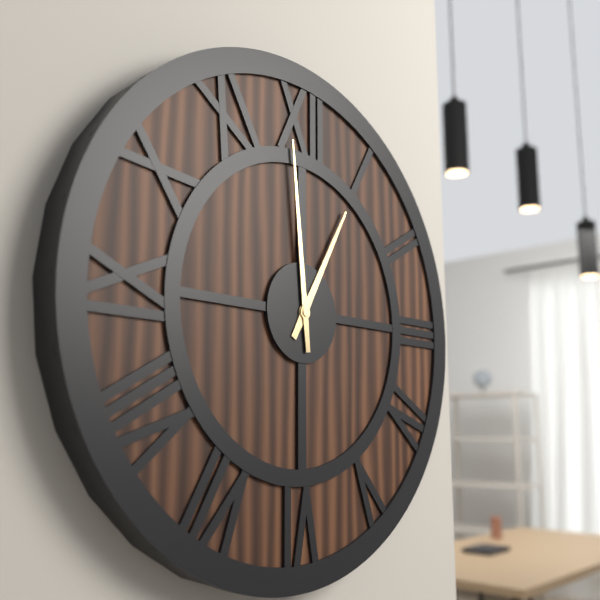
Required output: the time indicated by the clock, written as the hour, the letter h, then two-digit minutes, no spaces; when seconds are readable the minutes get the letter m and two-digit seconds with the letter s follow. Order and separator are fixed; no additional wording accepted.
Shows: 12h59
